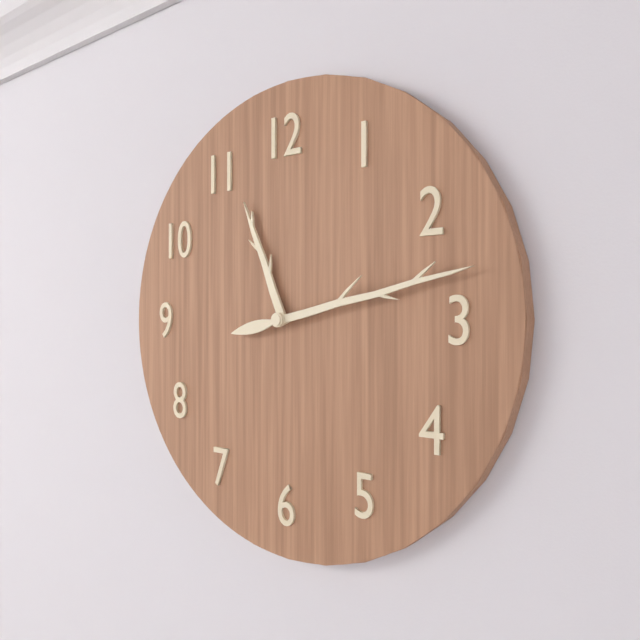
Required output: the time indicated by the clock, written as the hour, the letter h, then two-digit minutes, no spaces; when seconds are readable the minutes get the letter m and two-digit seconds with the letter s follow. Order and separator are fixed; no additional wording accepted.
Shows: 11h13
